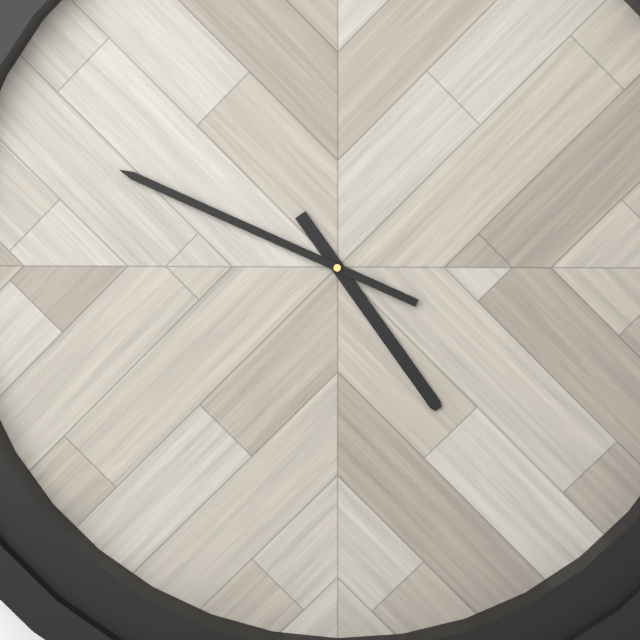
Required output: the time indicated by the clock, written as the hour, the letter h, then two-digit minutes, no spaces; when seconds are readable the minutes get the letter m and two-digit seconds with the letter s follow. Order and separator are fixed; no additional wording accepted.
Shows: 4h49
